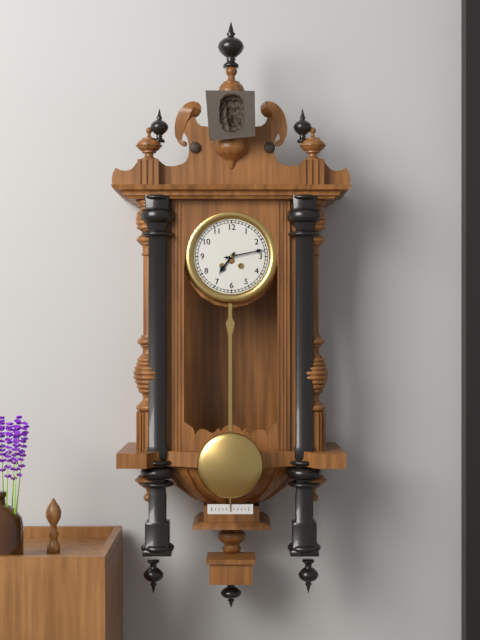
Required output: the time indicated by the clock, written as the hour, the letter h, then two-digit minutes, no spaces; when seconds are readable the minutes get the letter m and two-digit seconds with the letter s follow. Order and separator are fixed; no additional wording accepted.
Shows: 7h13
